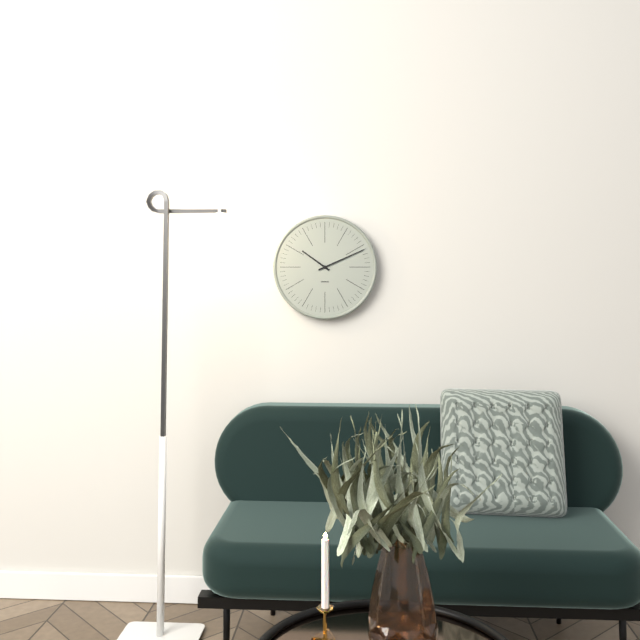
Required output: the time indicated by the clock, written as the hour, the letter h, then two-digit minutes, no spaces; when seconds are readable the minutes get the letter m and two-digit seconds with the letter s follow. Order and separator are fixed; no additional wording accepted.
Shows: 10h11
